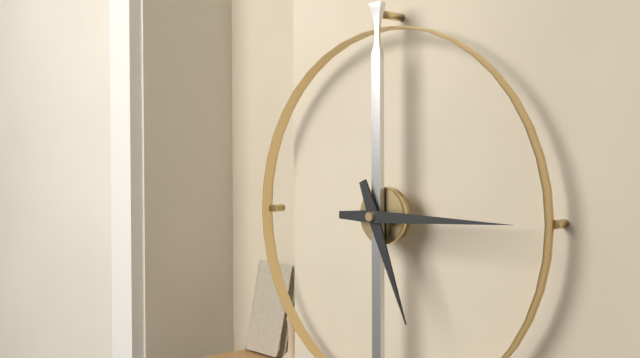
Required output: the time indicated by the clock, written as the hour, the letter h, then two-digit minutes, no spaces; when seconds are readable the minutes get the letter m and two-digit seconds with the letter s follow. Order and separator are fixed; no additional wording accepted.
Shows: 5h15
